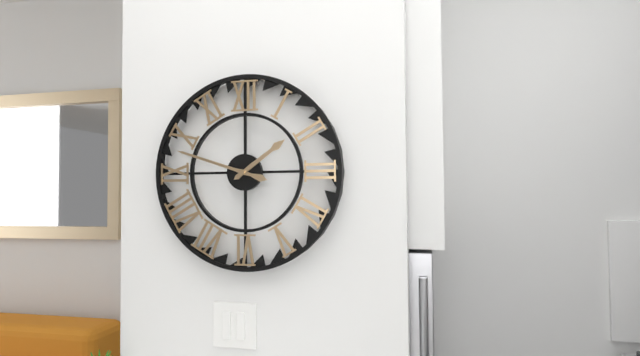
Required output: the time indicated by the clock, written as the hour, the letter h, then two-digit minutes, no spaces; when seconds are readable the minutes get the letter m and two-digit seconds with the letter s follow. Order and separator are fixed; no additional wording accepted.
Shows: 1h48
